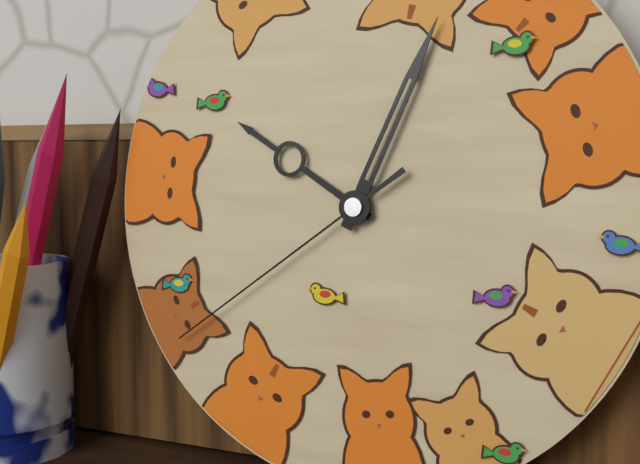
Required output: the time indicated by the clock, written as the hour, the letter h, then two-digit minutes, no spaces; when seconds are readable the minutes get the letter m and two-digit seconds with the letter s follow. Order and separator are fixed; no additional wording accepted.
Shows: 10h04m39s
